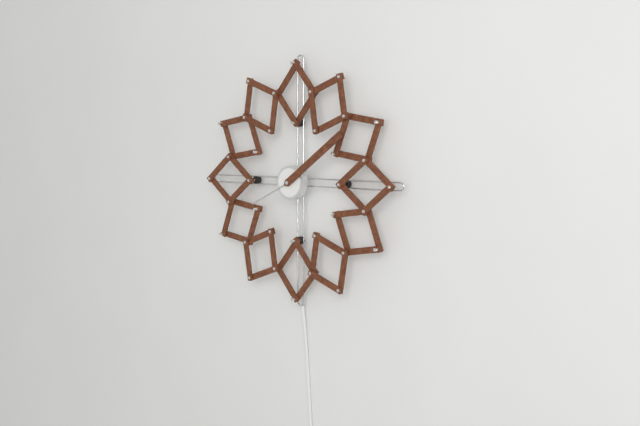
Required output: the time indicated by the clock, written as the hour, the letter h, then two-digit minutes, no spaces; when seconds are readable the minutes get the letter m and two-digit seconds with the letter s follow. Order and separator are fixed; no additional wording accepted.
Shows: 8h09
